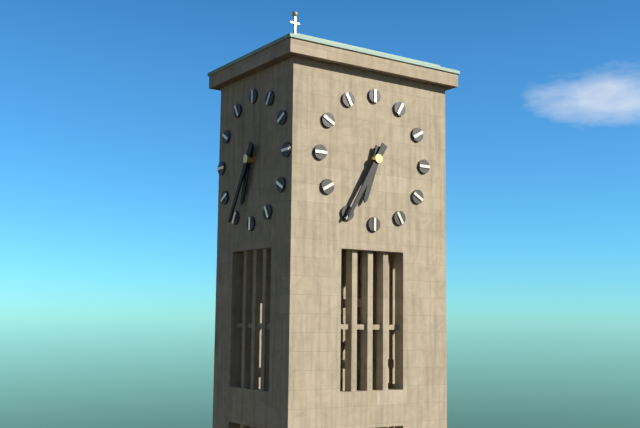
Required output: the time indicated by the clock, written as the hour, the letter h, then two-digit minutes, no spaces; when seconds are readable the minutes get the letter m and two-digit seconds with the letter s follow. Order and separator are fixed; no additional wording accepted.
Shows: 6h35
